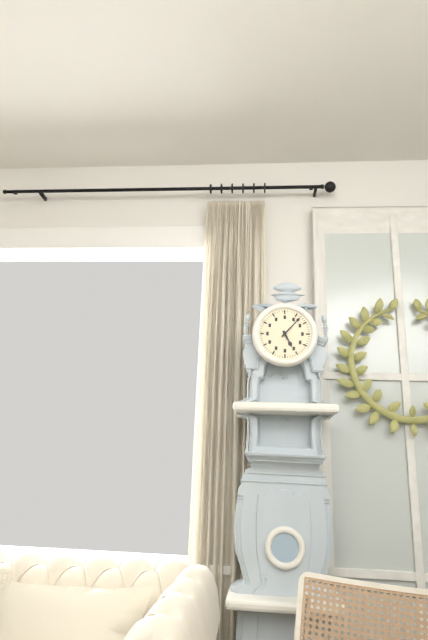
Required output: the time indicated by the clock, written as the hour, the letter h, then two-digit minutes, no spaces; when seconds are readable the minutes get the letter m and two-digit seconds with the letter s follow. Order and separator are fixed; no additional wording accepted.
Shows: 5h07
